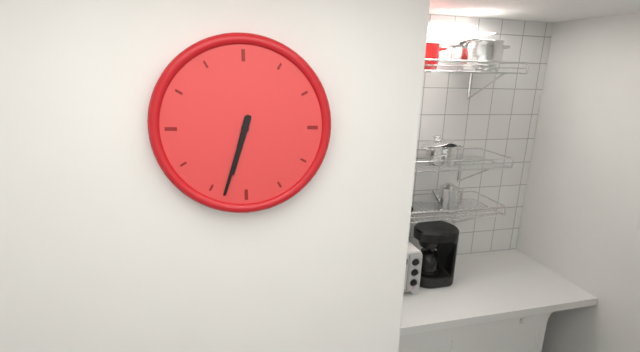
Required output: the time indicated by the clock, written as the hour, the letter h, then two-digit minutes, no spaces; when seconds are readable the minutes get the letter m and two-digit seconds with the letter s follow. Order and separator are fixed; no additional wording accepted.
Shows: 6h33
